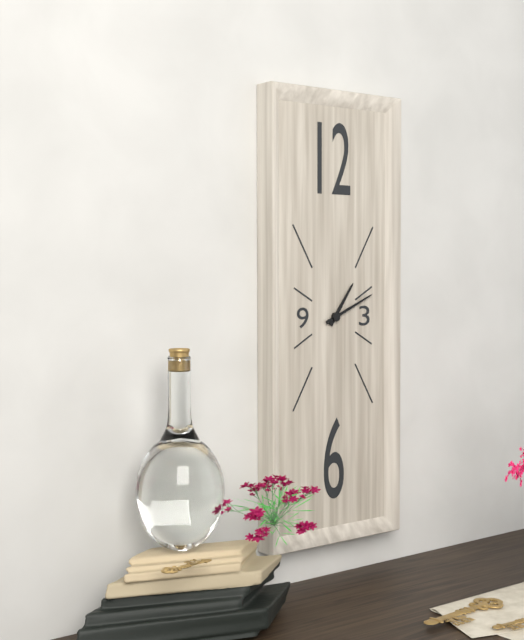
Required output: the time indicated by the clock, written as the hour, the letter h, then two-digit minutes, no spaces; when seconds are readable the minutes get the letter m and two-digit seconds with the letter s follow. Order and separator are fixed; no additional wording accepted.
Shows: 1h11
